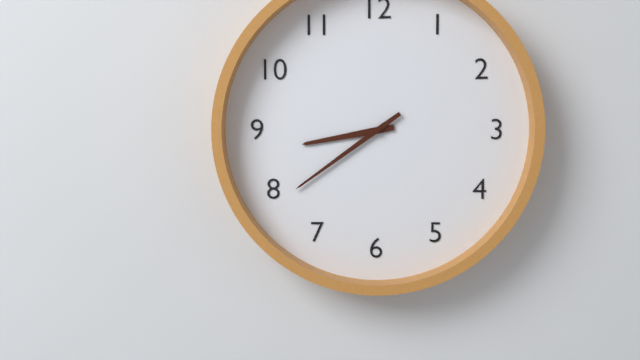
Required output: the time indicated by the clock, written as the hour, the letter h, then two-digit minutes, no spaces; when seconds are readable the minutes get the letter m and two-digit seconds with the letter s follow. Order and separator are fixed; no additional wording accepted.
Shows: 8h39
